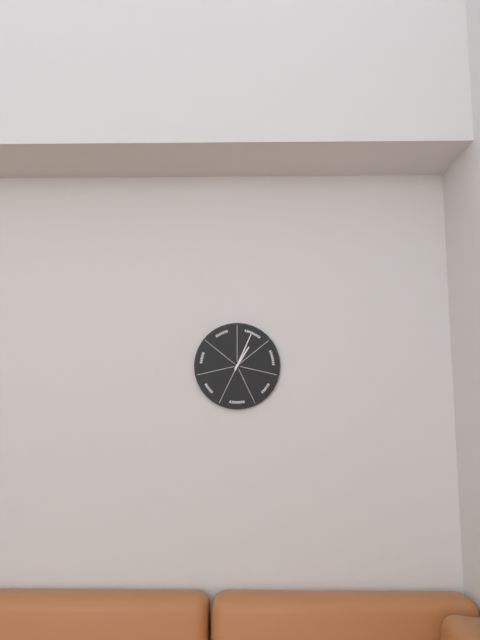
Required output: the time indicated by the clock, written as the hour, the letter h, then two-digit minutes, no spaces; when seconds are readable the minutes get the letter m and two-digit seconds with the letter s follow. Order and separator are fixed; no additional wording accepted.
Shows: 1h04
